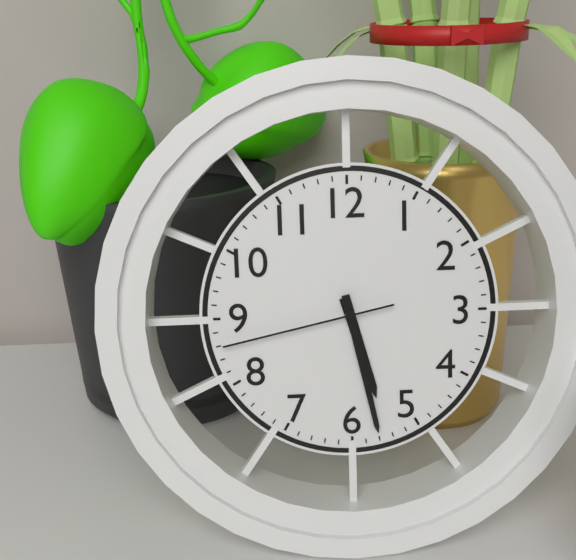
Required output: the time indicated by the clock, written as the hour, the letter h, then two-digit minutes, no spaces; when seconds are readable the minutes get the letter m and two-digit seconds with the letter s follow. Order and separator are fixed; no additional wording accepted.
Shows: 5h28m43s
